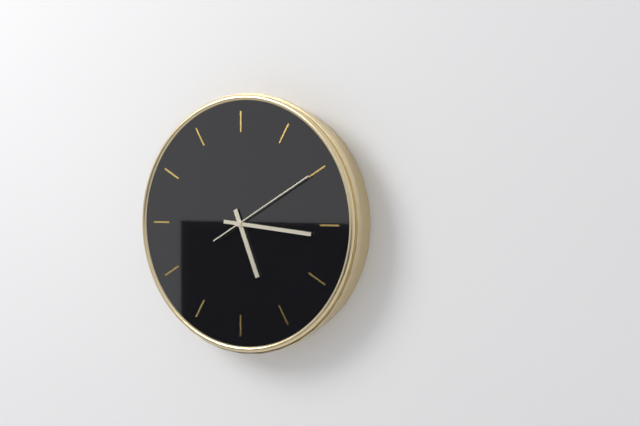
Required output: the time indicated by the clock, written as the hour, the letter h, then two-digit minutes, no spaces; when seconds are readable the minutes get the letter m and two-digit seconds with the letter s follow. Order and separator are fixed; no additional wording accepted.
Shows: 5h16m10s
